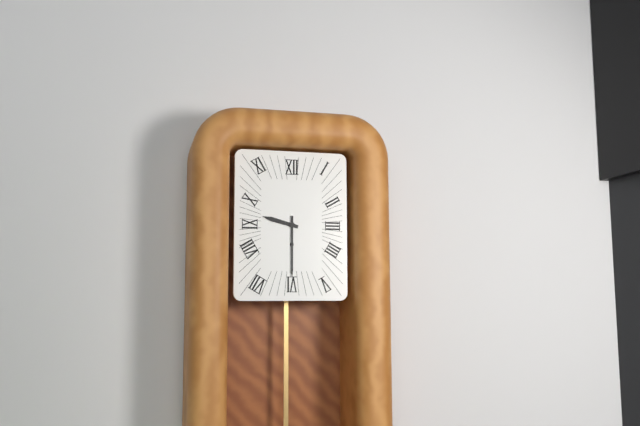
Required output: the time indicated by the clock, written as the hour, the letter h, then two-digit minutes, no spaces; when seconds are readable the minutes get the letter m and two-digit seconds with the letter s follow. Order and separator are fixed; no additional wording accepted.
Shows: 9h30
